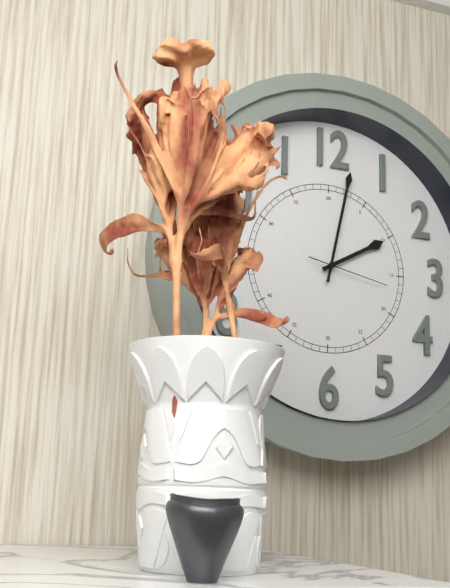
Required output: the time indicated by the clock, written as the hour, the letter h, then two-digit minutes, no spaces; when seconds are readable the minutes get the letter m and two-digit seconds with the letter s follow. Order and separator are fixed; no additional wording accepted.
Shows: 2h02m17s
